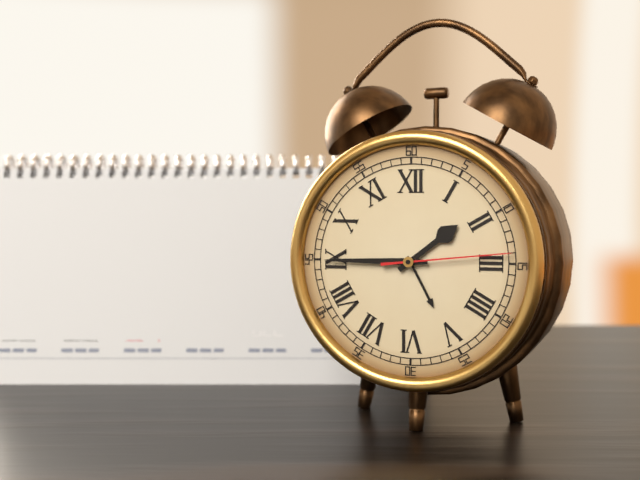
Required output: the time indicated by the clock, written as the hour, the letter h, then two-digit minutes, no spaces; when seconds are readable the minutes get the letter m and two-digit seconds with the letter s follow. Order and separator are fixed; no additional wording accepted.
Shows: 1h45m14s
